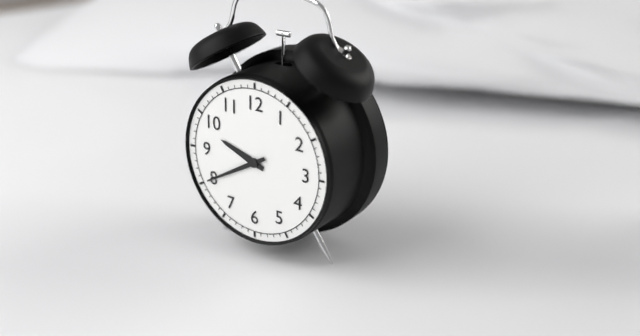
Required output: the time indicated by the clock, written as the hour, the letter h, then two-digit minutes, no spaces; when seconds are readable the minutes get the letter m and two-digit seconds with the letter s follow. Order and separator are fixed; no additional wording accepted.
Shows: 9h40
